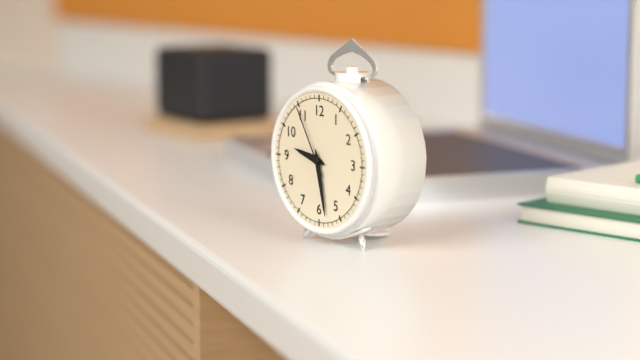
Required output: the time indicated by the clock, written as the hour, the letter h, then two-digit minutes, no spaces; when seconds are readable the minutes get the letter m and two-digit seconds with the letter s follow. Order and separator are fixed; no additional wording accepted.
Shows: 9h28m55s
